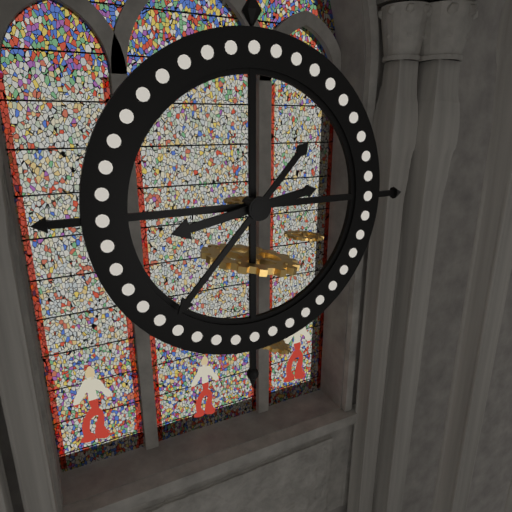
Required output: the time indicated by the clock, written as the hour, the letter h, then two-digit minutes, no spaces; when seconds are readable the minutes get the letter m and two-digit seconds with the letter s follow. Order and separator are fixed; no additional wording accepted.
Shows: 8h37
